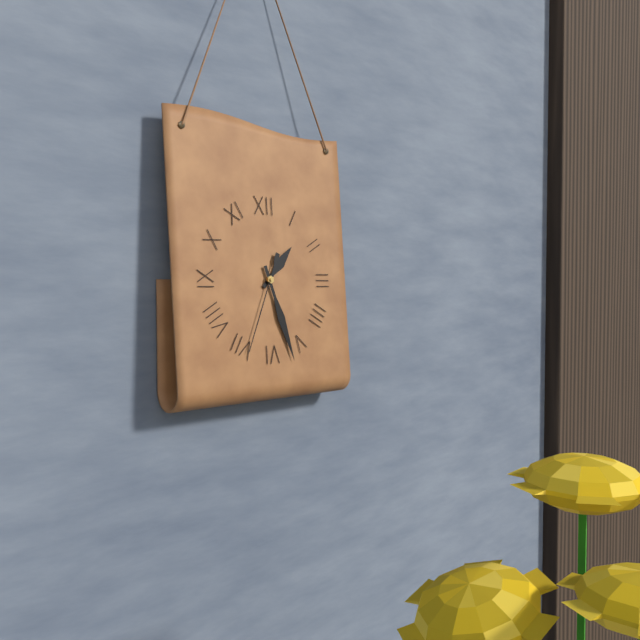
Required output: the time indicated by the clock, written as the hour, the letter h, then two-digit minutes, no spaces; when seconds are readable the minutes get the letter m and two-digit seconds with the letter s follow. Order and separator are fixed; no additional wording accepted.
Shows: 1h27m34s
